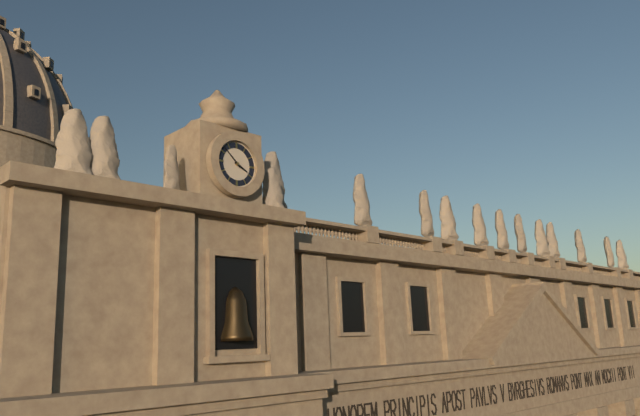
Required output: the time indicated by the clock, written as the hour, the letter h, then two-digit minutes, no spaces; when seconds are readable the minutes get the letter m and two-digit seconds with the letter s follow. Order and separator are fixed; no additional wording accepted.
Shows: 3h52
